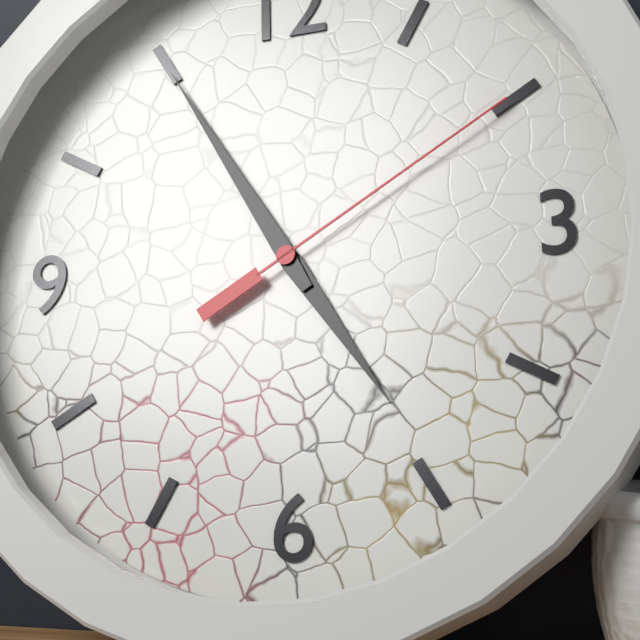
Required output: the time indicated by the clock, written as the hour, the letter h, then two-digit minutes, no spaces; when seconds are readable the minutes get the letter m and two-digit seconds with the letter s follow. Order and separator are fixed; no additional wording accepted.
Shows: 4h55m10s
